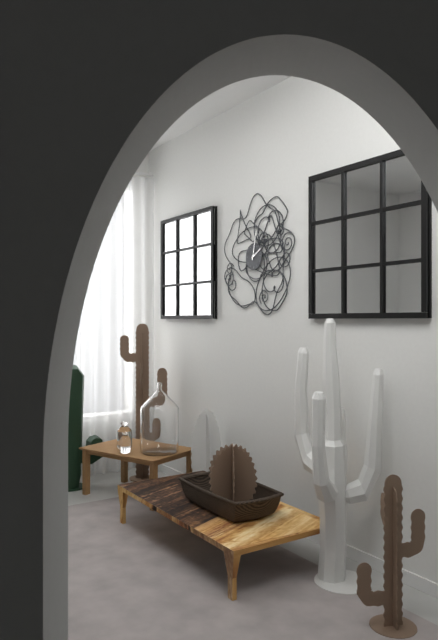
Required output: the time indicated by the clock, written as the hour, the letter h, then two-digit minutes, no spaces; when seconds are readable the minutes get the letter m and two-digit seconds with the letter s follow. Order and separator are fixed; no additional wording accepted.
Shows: 2h02
